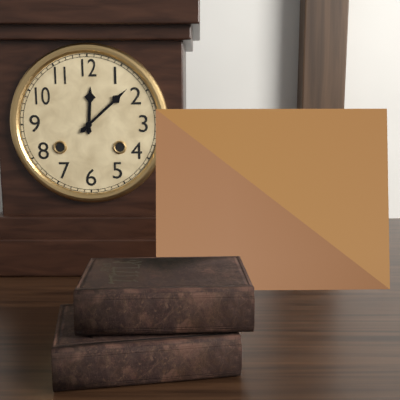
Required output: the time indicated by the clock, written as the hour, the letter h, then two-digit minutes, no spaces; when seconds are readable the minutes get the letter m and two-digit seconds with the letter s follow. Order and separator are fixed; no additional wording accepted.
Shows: 12h08
